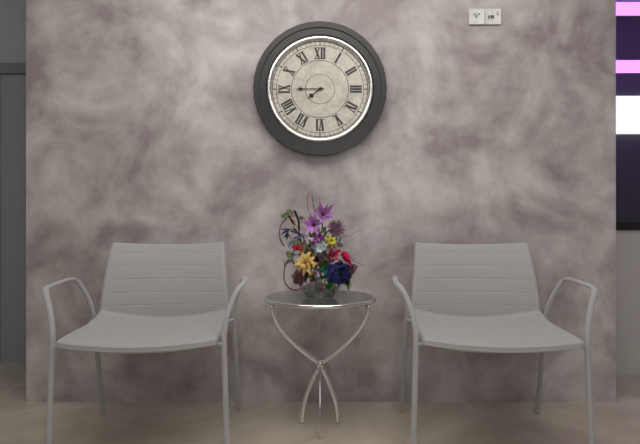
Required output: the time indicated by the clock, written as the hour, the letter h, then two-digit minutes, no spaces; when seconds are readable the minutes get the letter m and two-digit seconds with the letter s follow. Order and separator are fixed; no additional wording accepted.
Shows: 7h45
